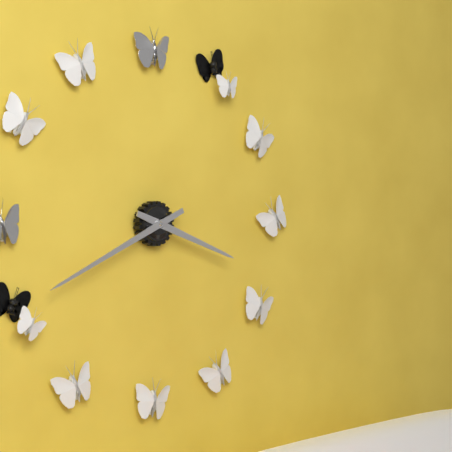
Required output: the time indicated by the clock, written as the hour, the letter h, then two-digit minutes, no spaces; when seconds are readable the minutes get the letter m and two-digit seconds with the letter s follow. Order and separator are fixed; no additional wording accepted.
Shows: 3h41
